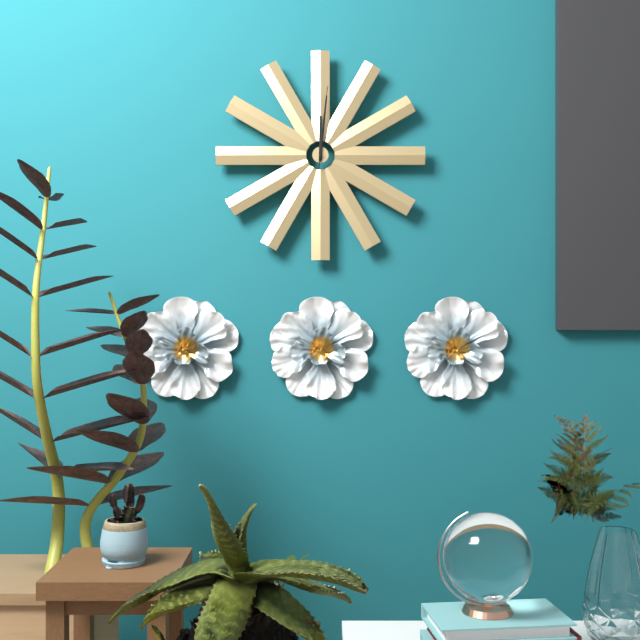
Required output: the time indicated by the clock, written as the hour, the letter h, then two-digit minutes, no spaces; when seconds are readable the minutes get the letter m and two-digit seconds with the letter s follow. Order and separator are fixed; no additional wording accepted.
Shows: 12h01m01s
